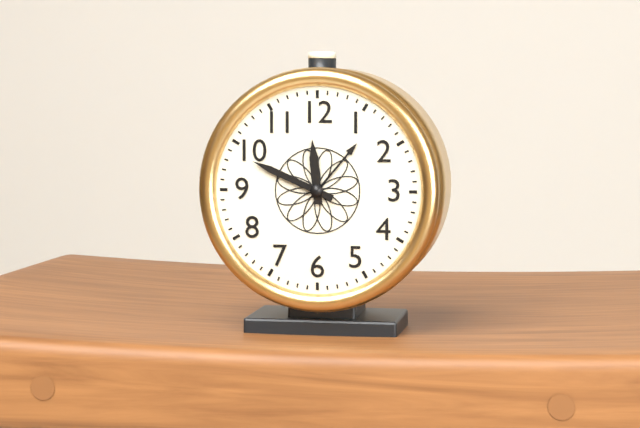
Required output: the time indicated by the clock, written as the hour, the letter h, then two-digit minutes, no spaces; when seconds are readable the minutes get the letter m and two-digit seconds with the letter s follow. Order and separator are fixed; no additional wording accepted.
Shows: 11h49
